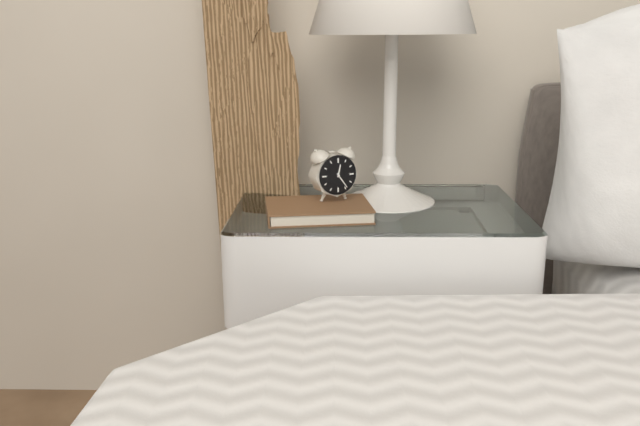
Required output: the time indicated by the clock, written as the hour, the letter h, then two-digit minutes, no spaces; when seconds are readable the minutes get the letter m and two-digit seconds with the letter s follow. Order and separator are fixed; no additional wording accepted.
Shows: 12h24
